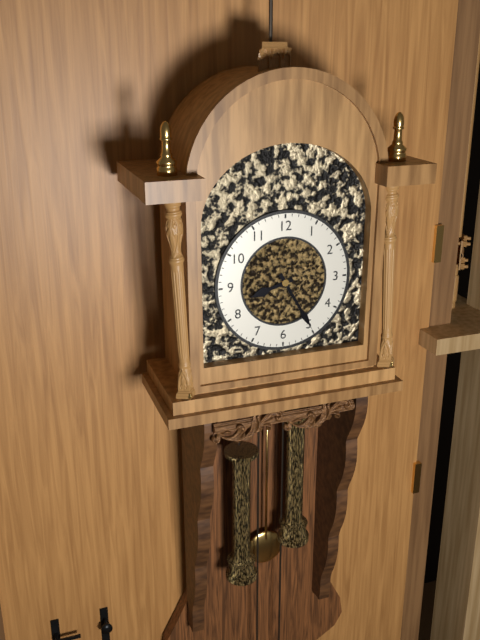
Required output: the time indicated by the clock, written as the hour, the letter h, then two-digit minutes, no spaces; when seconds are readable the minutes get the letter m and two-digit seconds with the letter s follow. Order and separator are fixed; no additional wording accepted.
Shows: 8h25
